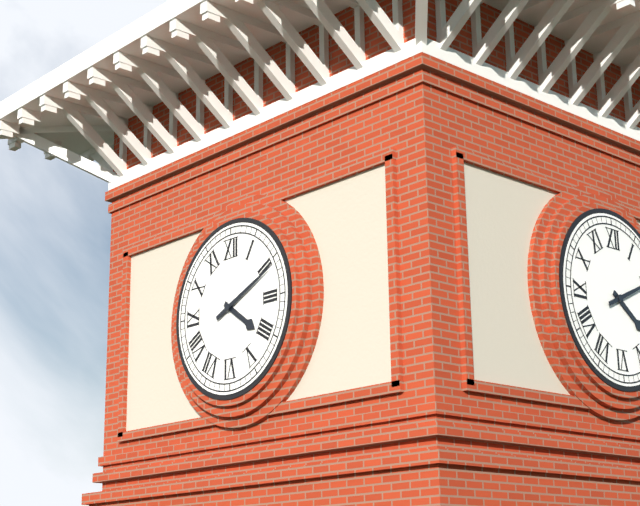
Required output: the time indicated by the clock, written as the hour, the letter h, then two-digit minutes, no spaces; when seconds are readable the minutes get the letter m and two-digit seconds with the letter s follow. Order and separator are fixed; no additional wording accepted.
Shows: 4h11
